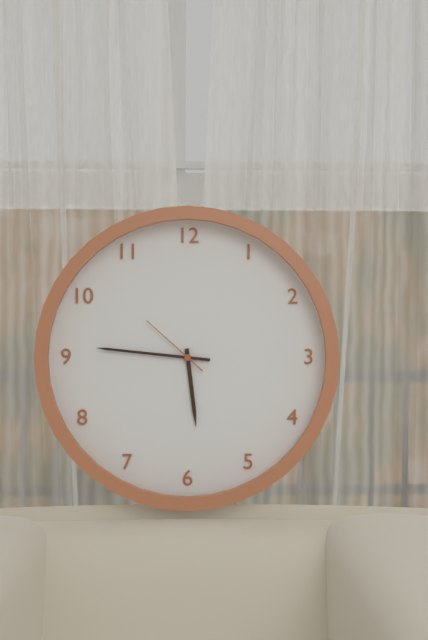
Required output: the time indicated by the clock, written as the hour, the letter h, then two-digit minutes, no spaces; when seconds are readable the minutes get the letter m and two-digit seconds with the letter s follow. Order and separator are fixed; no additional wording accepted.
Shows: 5h46m52s
